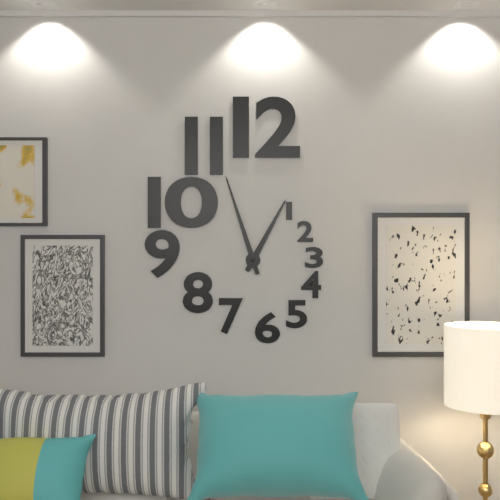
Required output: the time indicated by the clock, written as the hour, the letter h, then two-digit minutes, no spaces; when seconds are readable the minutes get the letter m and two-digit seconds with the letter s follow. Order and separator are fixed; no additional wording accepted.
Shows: 12h57
